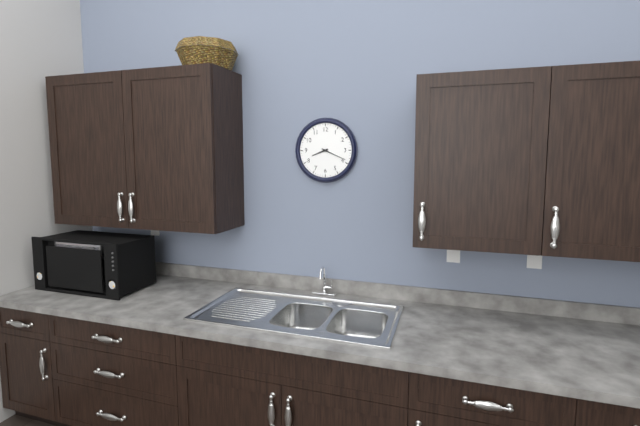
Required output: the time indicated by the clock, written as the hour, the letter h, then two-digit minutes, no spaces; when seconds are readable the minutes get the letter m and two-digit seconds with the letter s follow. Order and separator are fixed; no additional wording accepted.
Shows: 8h19
